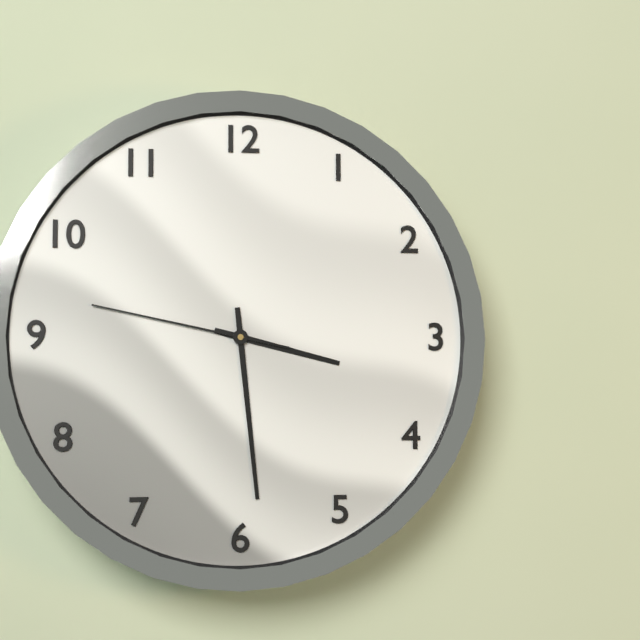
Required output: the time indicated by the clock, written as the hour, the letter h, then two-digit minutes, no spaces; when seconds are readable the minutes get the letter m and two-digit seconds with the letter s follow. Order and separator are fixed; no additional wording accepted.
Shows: 3h29m47s
